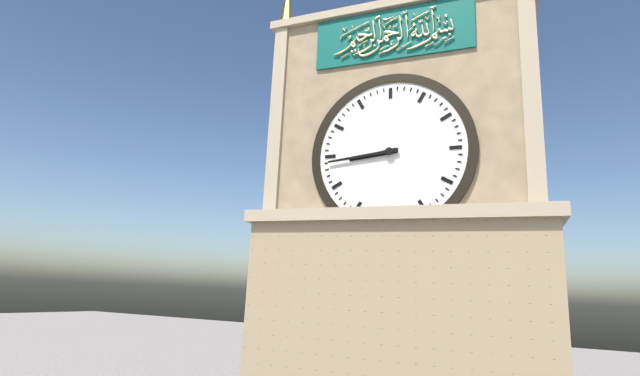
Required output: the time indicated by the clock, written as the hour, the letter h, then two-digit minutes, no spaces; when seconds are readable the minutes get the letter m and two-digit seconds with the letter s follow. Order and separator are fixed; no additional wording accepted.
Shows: 8h44
